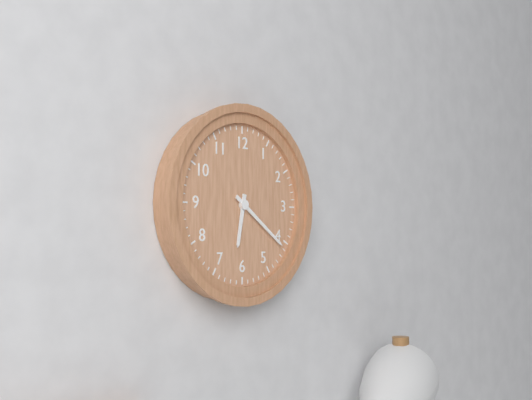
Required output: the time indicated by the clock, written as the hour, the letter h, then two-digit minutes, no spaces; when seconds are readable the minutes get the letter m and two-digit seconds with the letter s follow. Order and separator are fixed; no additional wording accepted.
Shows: 6h21
